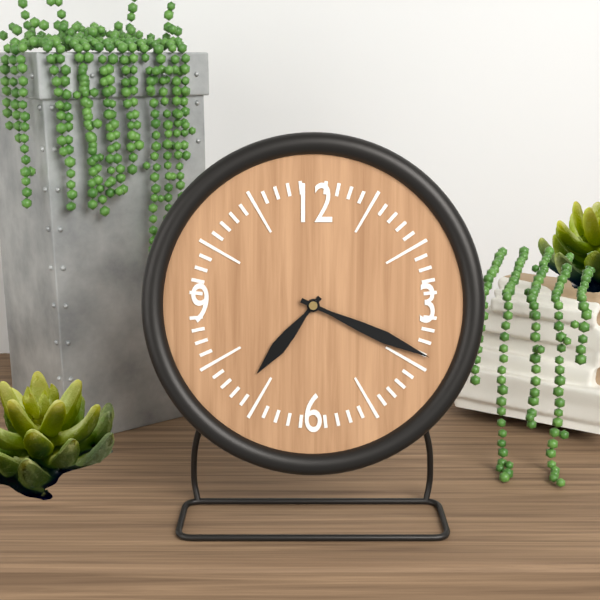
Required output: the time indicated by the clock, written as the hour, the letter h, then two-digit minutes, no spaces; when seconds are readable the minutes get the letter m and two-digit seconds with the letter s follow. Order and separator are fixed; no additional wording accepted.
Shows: 7h19
